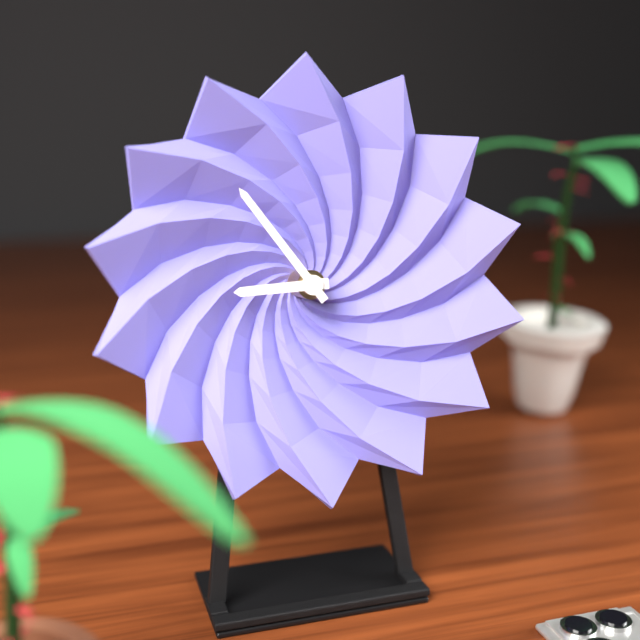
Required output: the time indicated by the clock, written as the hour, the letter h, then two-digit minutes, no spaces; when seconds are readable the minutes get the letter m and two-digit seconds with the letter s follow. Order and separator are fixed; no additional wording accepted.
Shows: 8h54
